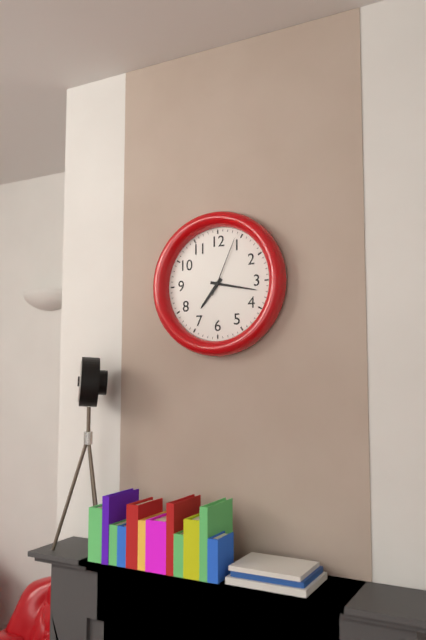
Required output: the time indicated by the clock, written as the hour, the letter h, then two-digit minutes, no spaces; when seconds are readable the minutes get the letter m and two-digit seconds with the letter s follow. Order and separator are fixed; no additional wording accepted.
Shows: 7h17m04s
